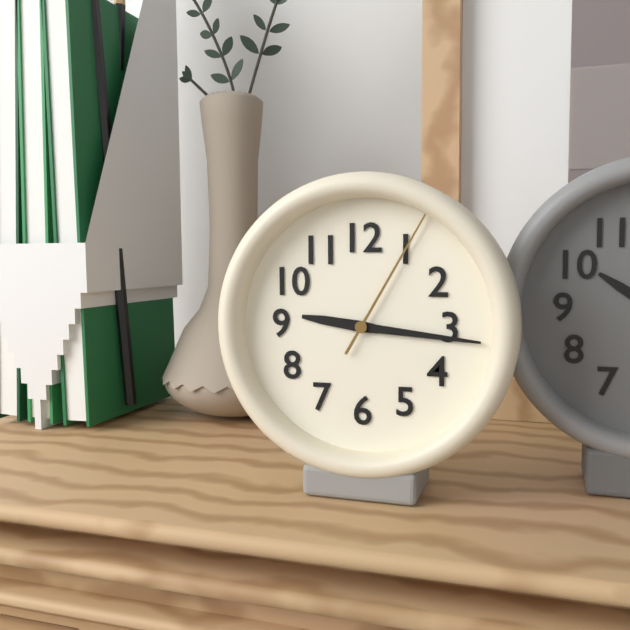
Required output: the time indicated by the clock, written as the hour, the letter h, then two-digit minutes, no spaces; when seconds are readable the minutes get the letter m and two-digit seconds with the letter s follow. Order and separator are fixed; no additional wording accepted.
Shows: 9h16m05s
